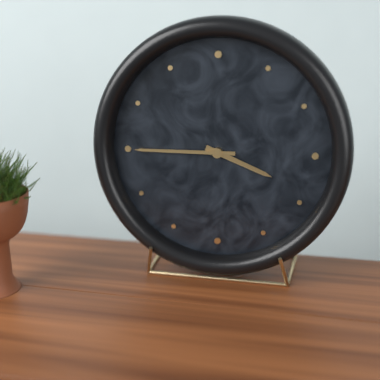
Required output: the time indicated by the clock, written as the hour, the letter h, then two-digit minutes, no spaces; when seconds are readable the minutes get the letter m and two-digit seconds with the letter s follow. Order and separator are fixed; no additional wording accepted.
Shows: 3h45
